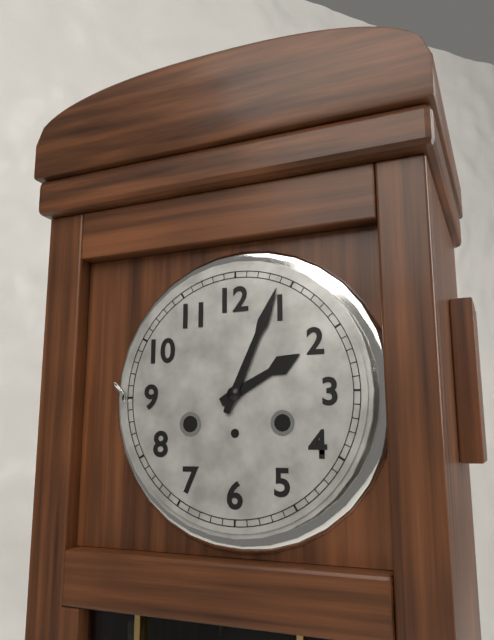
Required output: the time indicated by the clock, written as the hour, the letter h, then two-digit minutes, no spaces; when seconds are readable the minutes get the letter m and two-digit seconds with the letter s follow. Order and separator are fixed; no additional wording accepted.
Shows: 2h04
